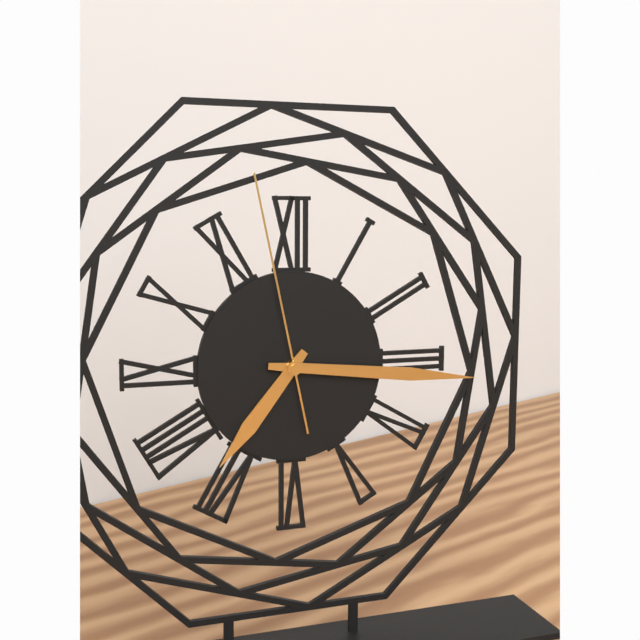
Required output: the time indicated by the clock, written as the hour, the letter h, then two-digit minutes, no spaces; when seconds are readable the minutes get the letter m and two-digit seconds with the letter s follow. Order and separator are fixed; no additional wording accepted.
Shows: 7h16m58s
